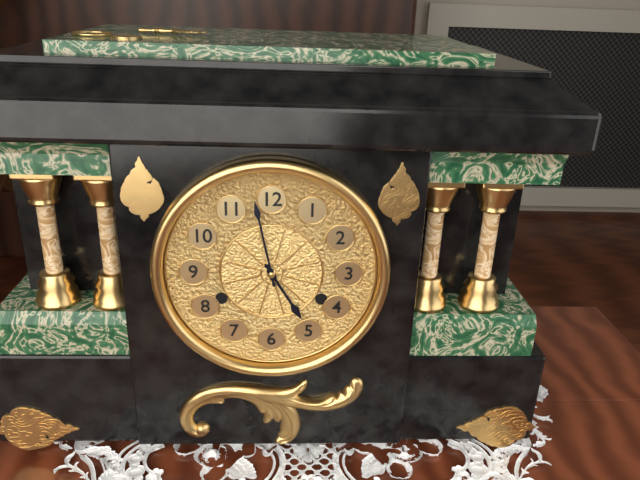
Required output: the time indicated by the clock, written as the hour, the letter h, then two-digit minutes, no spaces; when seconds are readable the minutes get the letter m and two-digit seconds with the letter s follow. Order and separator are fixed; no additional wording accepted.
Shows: 4h58
